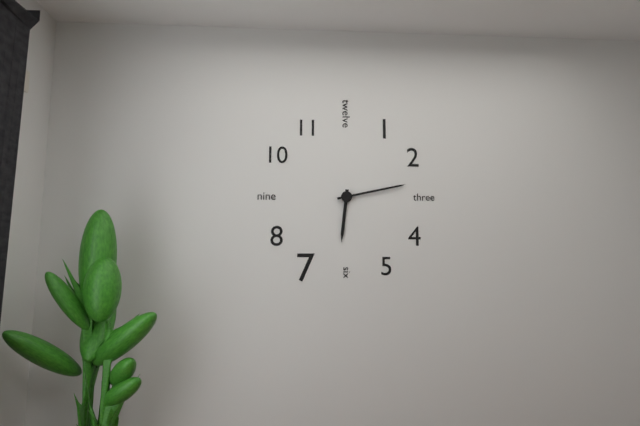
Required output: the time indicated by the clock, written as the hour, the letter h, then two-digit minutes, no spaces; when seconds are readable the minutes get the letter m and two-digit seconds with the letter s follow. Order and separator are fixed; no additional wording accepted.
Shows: 6h13
